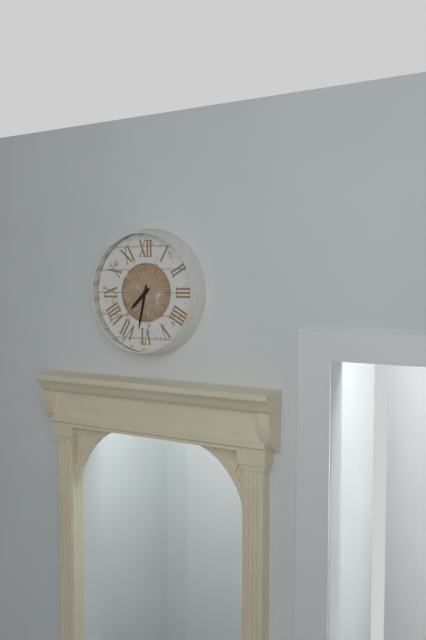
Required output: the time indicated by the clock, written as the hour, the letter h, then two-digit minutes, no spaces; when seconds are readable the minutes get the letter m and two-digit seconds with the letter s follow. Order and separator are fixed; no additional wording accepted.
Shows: 7h32
